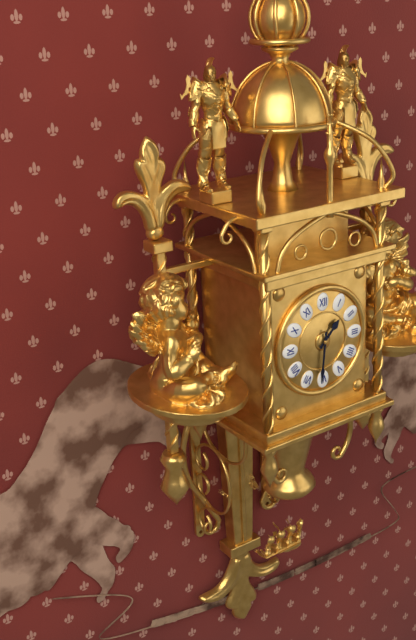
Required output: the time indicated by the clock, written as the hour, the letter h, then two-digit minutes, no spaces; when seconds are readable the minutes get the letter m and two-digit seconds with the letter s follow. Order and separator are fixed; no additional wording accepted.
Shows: 1h31
